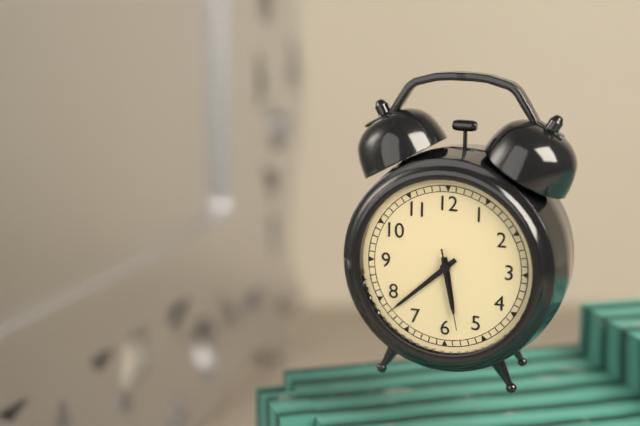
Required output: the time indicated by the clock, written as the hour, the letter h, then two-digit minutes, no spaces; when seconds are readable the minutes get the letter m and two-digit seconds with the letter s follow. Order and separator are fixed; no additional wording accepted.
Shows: 5h38m28s
